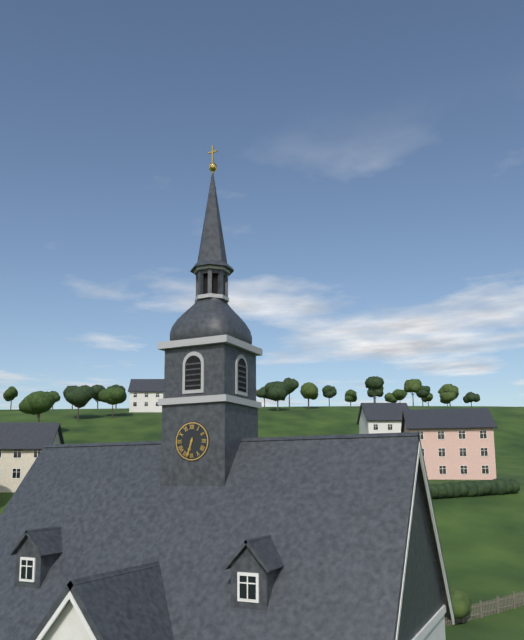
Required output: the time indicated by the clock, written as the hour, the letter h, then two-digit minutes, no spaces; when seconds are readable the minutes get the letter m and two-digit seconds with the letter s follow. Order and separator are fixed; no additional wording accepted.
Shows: 6h33
